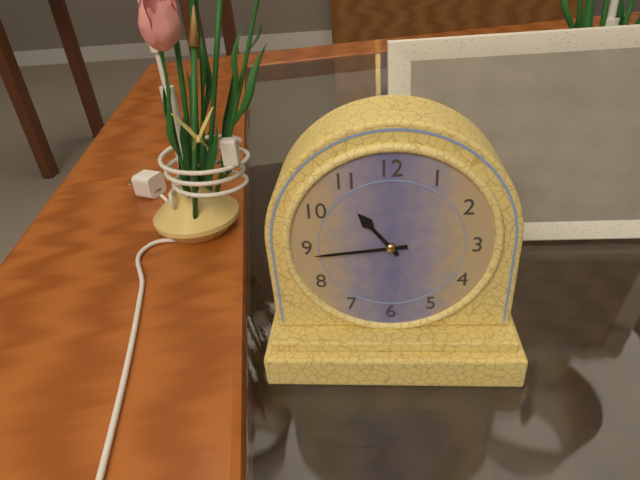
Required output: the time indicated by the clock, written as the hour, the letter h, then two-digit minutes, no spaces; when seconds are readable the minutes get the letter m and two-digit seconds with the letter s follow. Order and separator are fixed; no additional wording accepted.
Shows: 10h44
